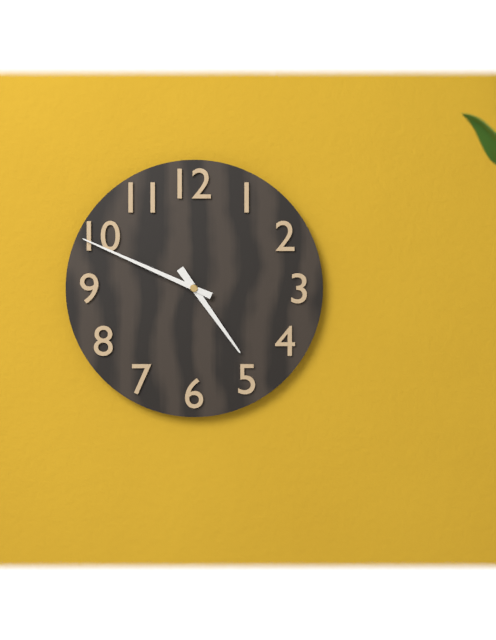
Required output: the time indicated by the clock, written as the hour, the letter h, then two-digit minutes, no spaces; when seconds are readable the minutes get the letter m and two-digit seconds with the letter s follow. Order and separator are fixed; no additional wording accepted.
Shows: 4h49
